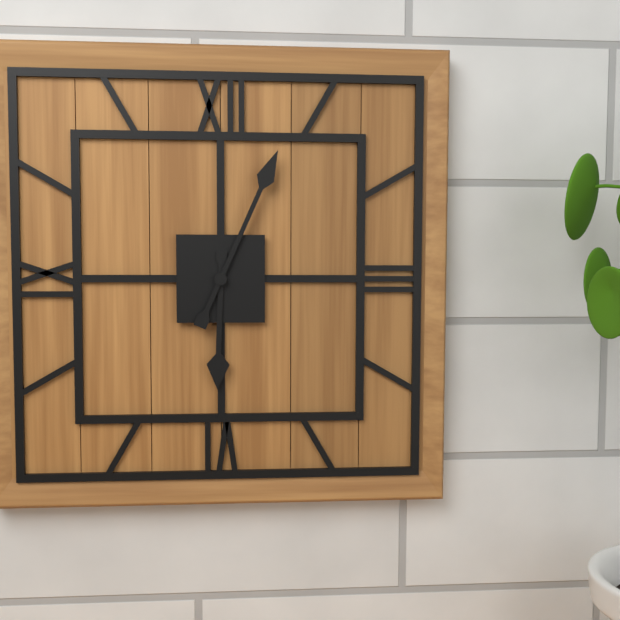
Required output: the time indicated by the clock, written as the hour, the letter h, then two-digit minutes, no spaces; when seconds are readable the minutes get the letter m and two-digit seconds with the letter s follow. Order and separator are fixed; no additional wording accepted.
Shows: 6h04
